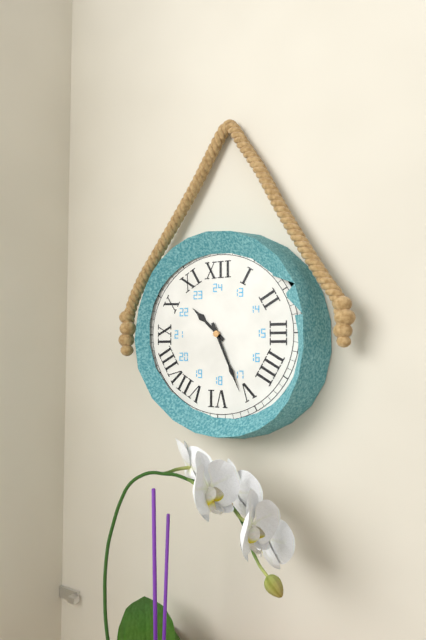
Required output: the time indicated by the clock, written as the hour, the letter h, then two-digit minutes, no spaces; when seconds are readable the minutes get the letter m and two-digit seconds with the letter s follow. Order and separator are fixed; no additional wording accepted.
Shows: 10h26
